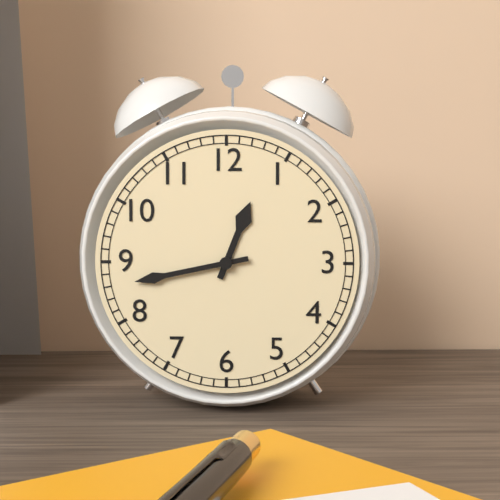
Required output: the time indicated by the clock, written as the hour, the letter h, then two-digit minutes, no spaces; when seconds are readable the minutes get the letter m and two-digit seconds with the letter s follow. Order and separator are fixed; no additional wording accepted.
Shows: 12h43
